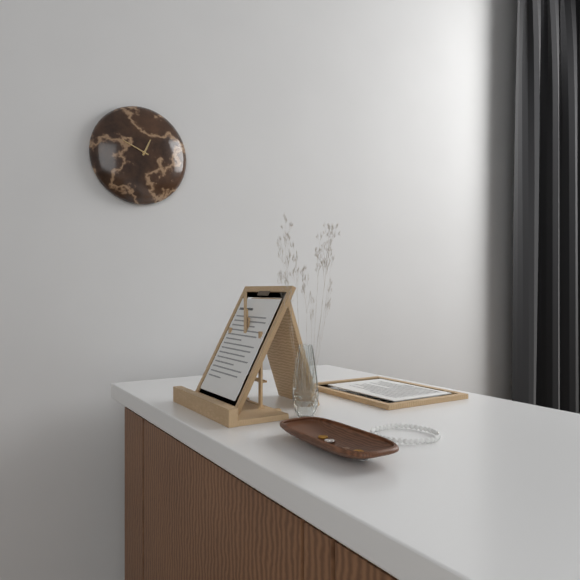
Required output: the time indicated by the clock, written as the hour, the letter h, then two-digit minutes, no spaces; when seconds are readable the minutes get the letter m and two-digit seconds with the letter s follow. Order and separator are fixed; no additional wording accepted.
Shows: 12h49
